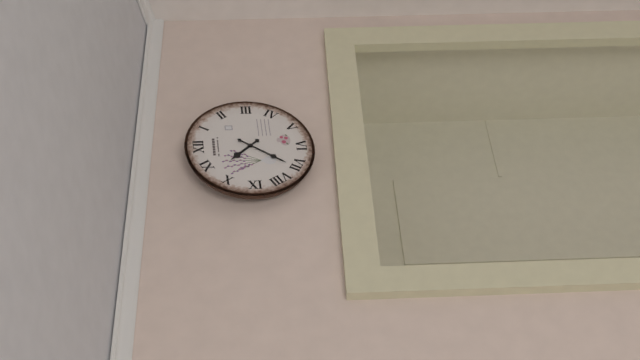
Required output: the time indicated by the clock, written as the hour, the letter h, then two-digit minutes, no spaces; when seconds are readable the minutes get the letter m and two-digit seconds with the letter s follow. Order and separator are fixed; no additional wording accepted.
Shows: 10h36
